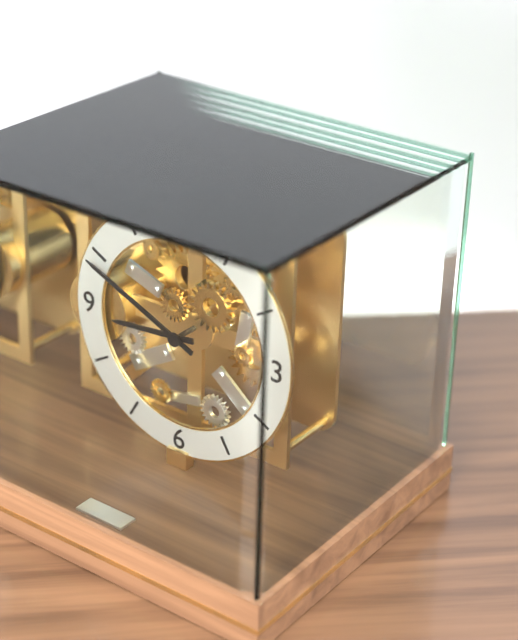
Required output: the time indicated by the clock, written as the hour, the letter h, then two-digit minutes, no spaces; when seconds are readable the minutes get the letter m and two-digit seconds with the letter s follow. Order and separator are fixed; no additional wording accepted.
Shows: 8h49
